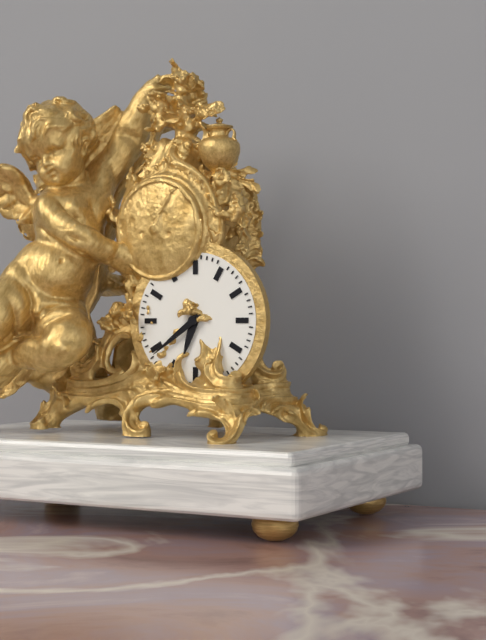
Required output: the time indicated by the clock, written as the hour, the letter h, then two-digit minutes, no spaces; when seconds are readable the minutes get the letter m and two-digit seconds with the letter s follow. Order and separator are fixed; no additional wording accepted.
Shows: 6h39
